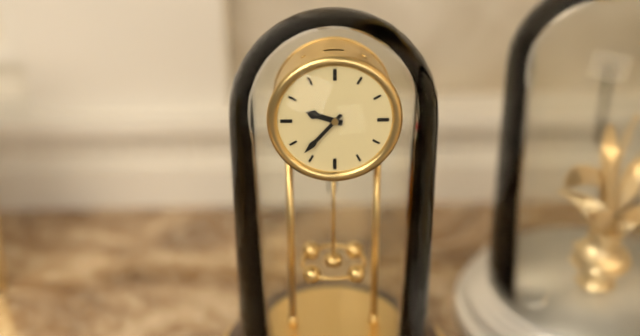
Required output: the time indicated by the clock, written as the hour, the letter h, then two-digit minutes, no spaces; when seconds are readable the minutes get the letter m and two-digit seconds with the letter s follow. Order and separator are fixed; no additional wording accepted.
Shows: 9h37
